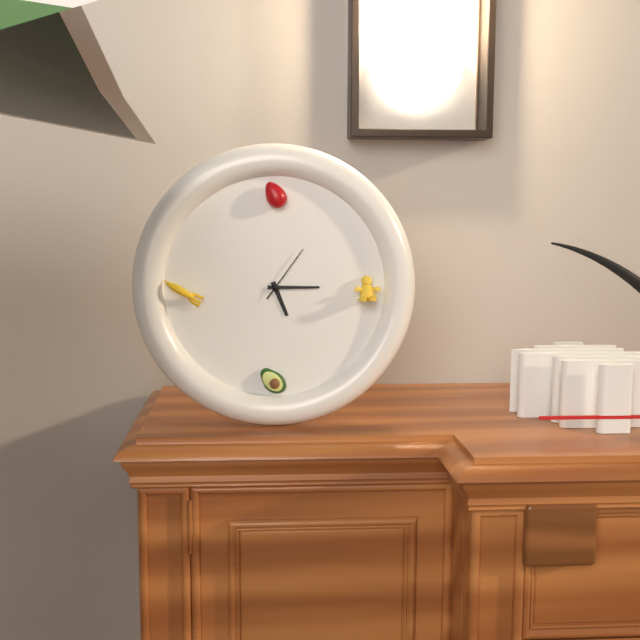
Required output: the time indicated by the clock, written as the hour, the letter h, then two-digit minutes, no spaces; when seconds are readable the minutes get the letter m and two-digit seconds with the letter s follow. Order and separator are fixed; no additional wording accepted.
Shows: 5h15m06s
